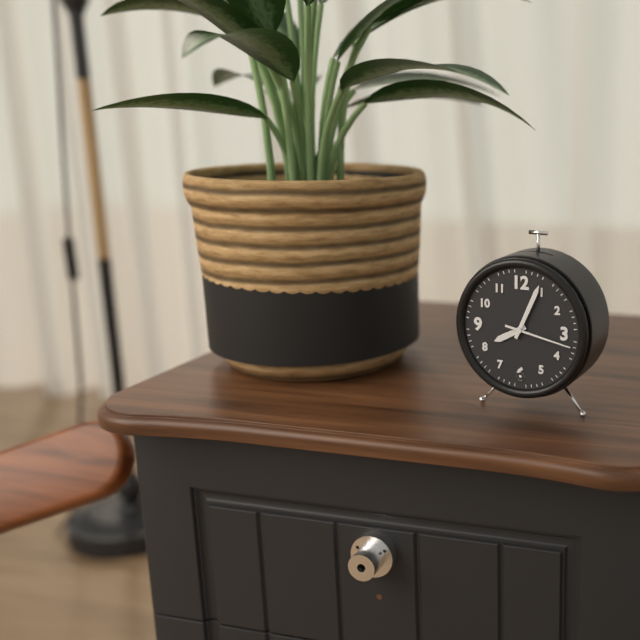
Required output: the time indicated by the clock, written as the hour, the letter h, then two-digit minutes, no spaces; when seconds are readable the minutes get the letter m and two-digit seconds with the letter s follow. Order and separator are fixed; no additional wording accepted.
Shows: 8h04m17s
